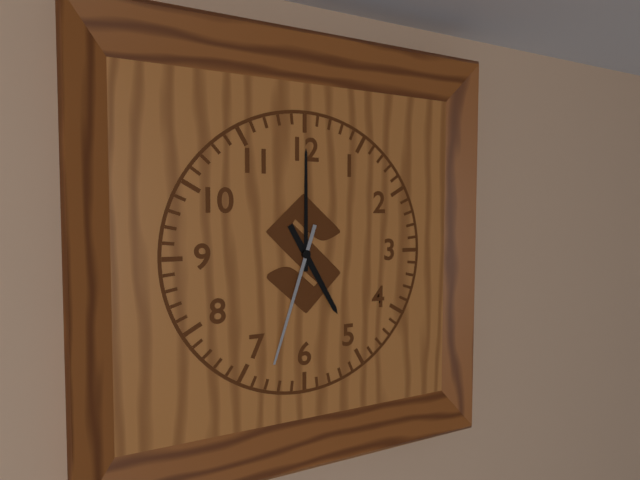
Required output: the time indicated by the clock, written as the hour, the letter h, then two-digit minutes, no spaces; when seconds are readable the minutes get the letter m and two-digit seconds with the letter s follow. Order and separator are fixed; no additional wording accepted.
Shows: 5h00m33s
